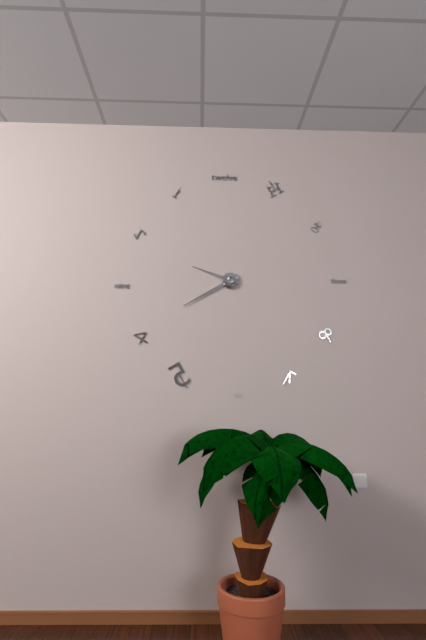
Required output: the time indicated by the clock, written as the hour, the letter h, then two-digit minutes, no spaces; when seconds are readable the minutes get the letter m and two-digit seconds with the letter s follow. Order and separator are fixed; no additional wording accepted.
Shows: 9h40
